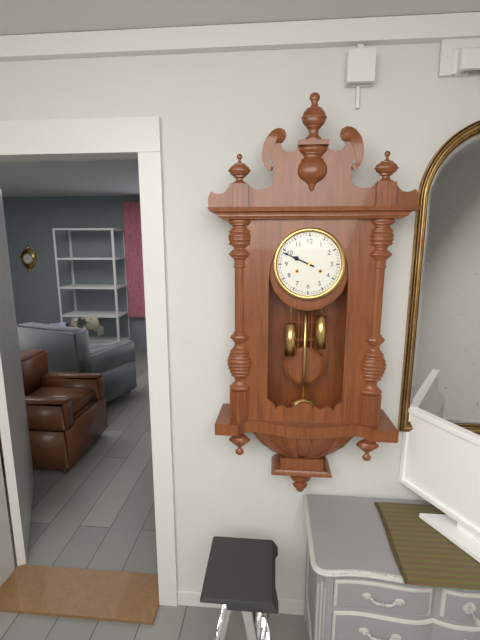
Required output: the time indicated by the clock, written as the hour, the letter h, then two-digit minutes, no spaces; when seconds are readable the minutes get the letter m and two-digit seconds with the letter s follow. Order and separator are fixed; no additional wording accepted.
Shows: 9h49
